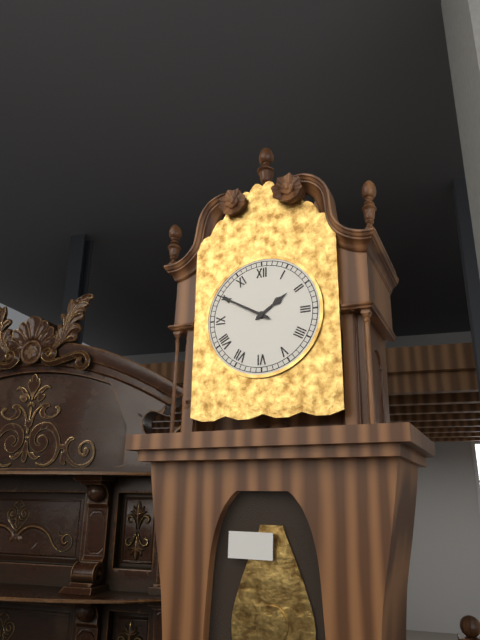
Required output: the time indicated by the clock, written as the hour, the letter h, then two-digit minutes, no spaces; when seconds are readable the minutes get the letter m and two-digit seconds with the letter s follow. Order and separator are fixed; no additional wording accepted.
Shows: 1h50
